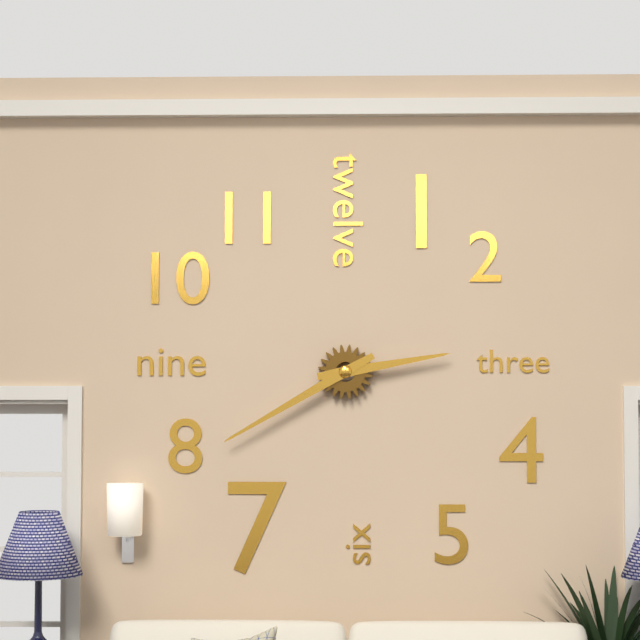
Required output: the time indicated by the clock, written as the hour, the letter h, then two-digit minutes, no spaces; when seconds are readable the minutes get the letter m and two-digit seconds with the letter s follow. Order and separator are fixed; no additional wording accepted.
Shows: 2h40
